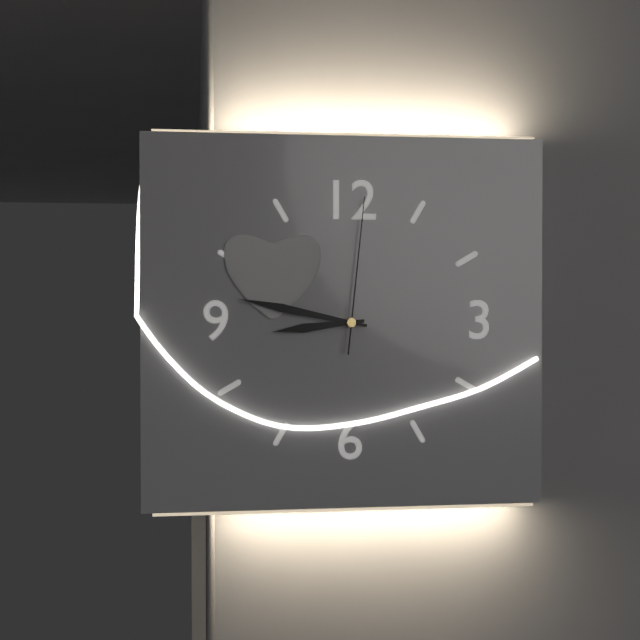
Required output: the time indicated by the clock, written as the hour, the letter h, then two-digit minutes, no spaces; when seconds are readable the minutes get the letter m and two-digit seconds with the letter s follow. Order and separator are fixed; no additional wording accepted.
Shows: 8h47m01s
